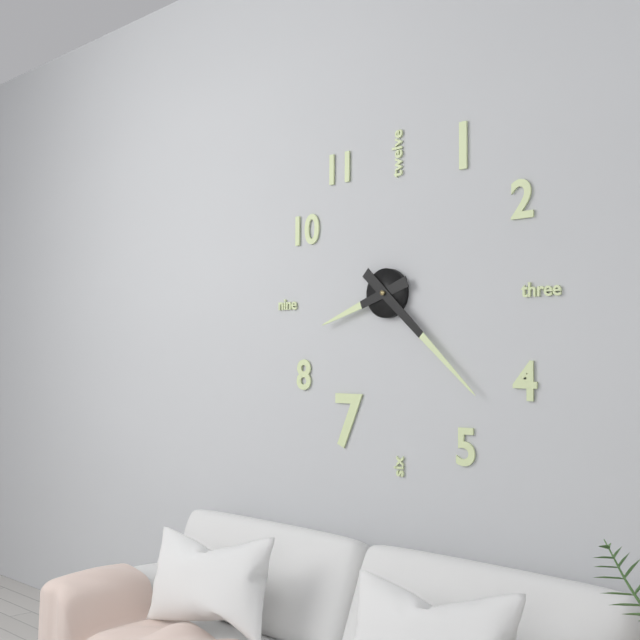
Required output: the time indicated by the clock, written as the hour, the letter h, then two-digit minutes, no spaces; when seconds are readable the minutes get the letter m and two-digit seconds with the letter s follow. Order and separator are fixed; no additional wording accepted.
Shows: 8h22
